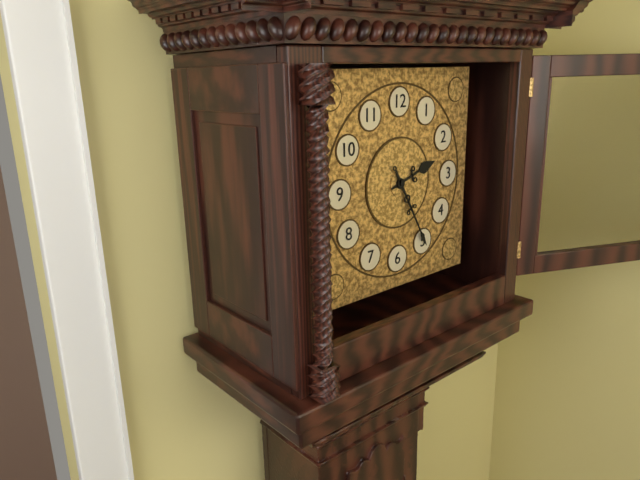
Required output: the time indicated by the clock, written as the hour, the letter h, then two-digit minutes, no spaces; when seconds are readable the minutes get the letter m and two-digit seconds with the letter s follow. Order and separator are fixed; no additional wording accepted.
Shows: 2h25
